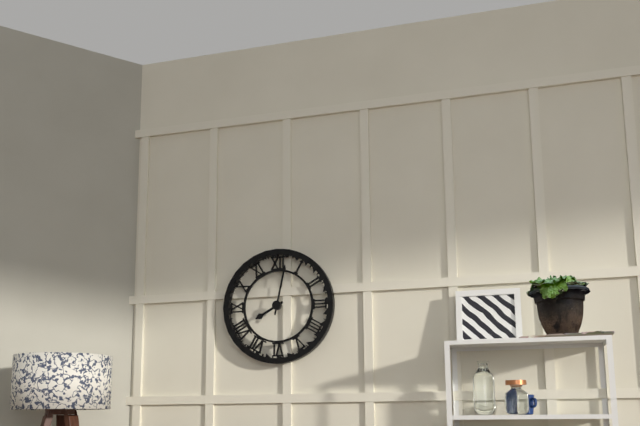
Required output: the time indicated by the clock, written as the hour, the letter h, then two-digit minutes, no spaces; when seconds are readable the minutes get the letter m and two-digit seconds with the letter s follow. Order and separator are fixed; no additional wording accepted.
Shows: 8h02
